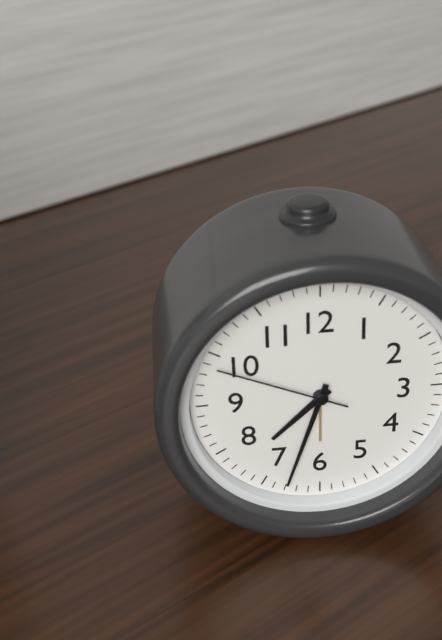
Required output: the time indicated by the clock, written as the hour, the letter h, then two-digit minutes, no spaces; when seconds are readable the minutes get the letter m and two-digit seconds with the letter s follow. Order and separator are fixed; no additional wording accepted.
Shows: 7h33m49s
